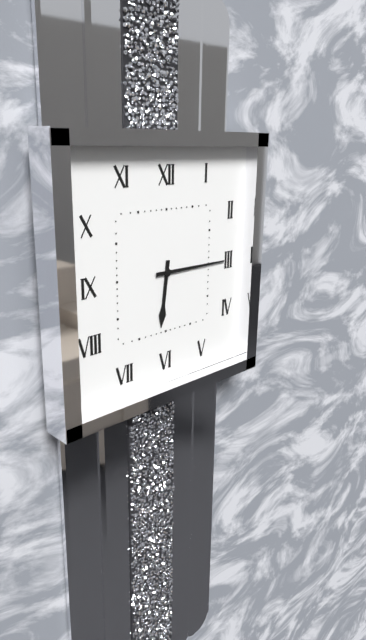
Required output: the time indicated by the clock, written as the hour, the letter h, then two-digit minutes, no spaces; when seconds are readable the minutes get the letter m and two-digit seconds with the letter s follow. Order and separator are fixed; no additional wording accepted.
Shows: 6h15
